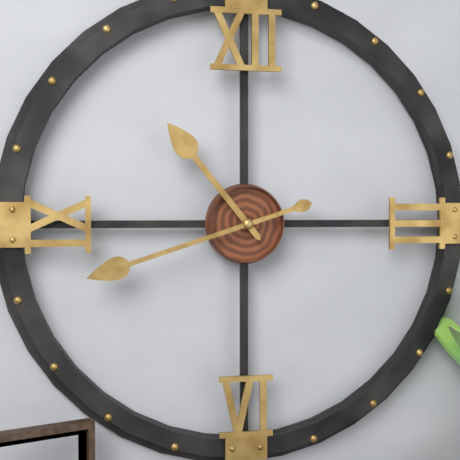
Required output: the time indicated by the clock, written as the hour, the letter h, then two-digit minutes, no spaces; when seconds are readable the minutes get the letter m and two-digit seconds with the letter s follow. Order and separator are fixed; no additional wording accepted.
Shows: 10h42
